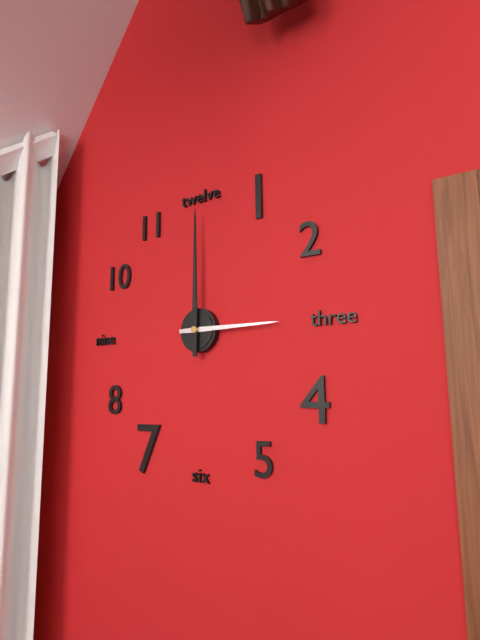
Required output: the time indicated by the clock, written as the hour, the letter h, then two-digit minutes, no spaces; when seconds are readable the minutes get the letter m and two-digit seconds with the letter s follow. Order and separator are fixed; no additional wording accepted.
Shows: 3h00
